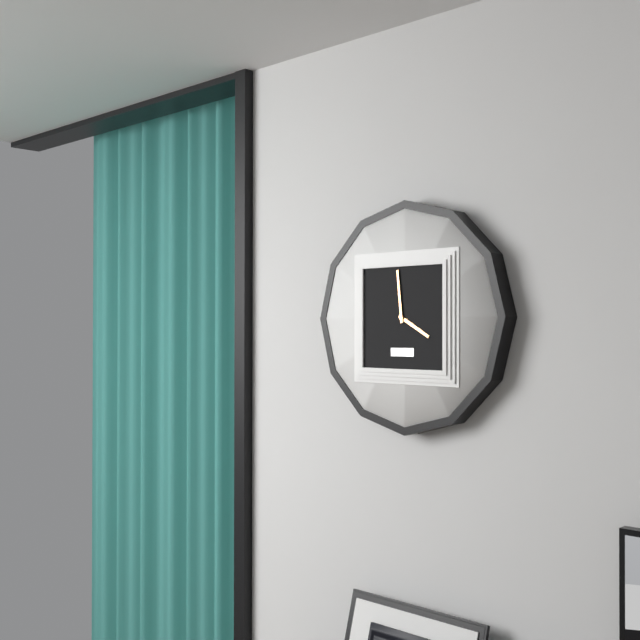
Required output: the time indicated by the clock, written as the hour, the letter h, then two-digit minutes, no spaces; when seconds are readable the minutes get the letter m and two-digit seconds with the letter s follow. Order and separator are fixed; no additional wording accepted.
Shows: 3h59
